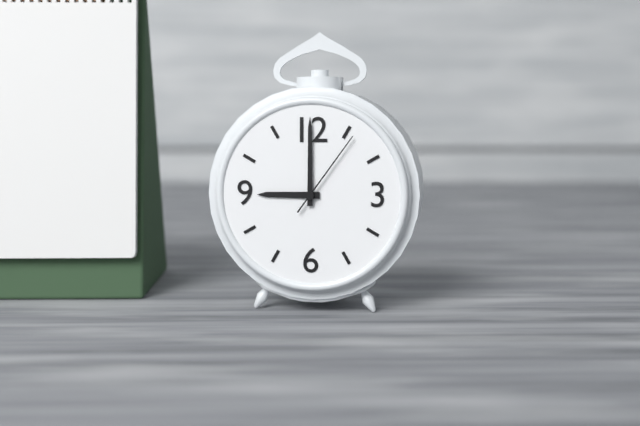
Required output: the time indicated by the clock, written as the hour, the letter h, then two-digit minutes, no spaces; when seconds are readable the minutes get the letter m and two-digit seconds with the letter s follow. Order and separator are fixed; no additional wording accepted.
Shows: 9h00m06s
